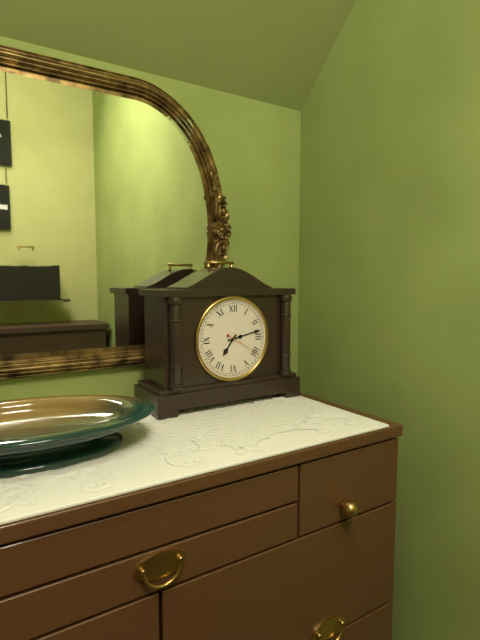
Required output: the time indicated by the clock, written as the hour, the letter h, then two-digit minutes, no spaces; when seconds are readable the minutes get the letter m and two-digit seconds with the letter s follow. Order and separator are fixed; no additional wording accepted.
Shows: 7h13
